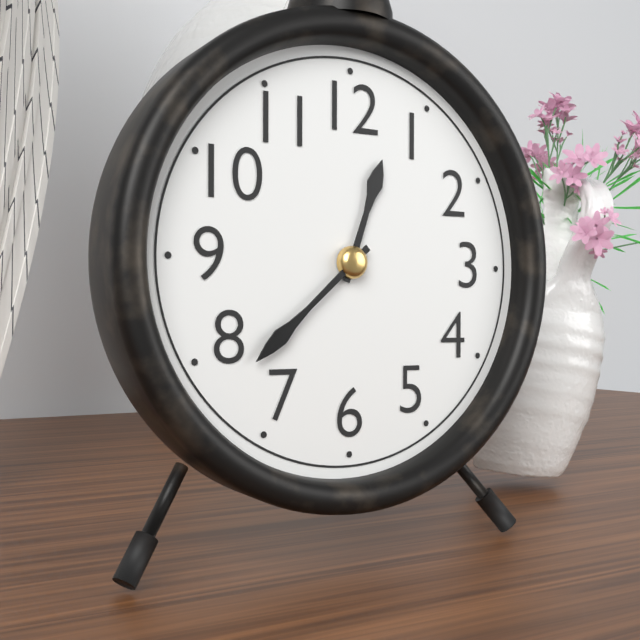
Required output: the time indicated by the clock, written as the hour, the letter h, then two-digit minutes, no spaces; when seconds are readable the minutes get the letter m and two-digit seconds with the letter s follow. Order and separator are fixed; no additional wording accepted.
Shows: 12h38
